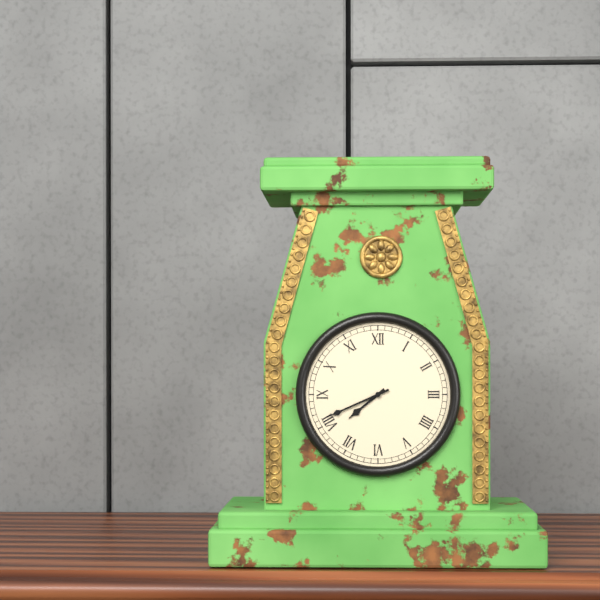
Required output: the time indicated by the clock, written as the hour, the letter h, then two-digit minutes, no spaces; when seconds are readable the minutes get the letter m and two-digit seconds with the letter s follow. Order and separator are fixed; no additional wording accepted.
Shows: 7h41
